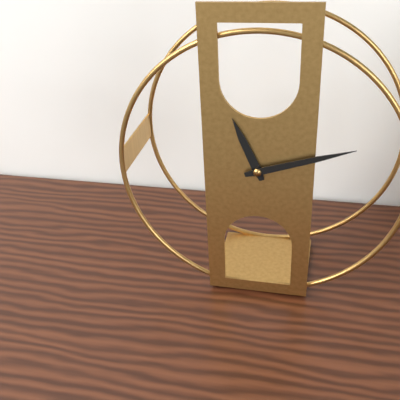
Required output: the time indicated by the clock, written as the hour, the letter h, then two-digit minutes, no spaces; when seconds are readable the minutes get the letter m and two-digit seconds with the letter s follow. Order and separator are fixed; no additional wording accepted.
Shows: 11h12
